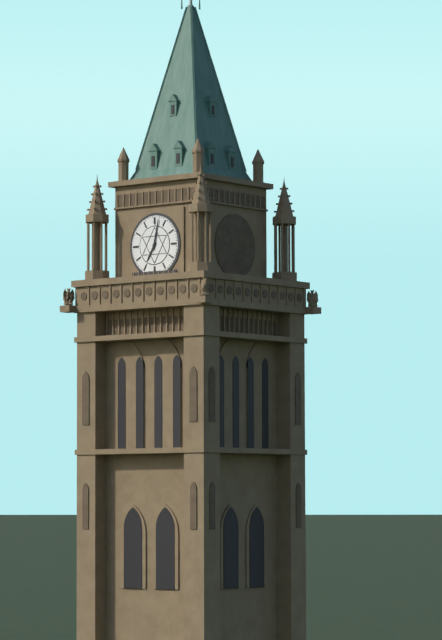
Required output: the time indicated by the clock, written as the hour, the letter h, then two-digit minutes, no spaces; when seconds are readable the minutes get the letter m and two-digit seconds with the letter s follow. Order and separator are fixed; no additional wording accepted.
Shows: 7h02
